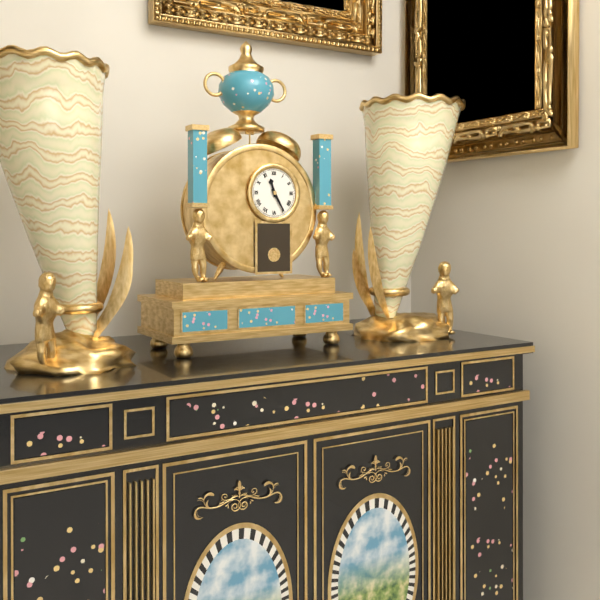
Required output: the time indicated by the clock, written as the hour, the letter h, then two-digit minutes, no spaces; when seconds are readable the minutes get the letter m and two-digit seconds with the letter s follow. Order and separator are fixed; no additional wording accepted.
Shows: 11h25
